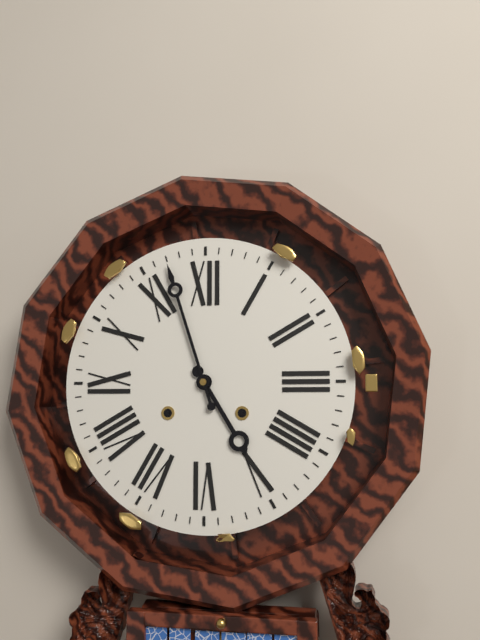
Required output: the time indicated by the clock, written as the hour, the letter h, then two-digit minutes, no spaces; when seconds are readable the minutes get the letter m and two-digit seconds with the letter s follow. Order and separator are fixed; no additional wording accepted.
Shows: 4h57
